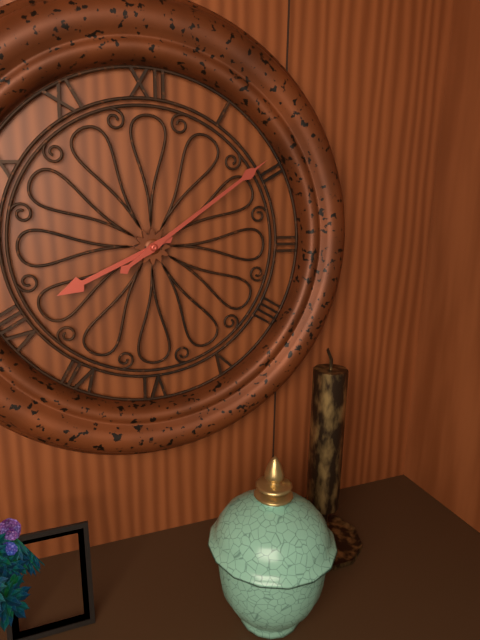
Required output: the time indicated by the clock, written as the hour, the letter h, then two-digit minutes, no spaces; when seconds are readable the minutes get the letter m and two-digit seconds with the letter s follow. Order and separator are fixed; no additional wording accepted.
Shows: 8h09
